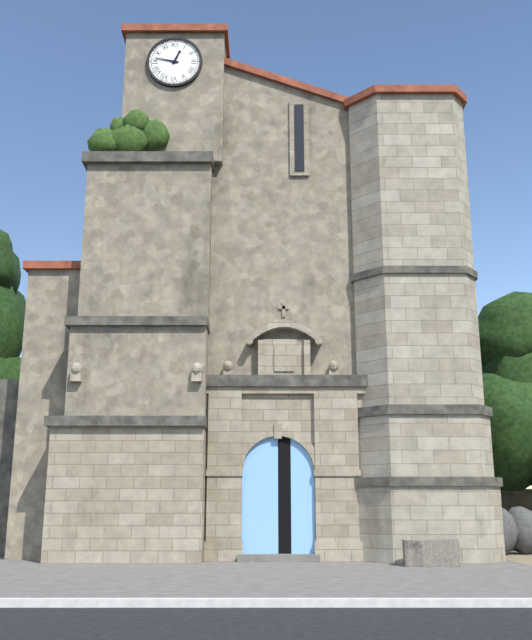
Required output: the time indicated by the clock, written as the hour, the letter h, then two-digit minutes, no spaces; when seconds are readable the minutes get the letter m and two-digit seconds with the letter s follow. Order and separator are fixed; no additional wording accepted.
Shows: 12h47
